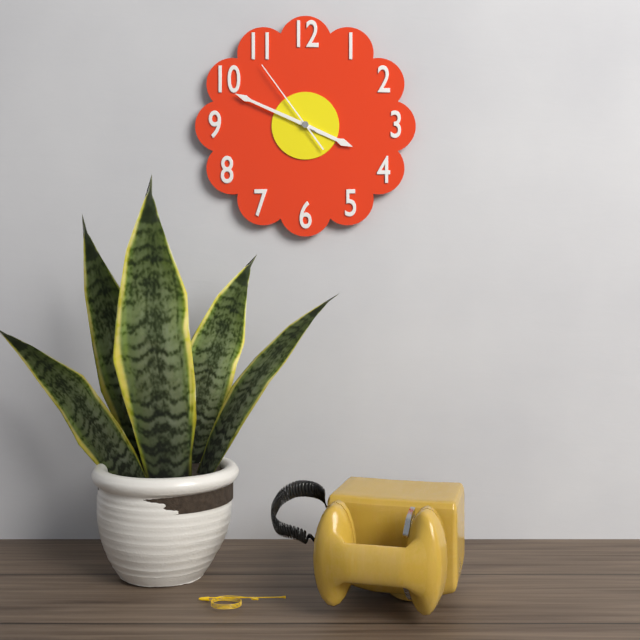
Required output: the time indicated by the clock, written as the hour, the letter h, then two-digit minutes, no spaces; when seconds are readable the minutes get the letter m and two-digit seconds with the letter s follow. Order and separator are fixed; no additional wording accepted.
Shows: 3h49m54s
